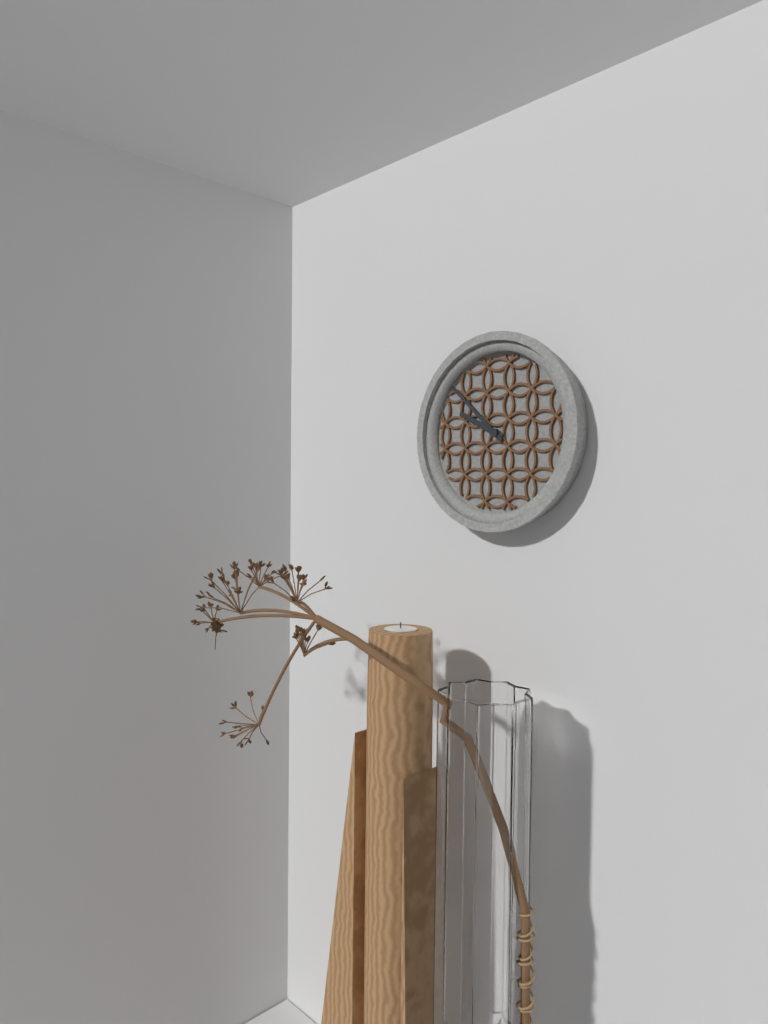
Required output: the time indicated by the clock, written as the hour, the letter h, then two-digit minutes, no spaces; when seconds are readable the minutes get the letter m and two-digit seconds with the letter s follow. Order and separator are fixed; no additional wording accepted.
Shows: 9h52
